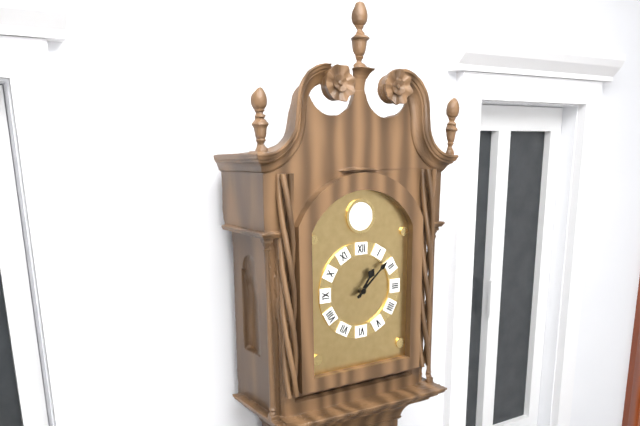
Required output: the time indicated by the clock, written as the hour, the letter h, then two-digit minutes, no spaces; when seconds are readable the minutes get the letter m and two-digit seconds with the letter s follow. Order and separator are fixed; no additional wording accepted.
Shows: 1h08
